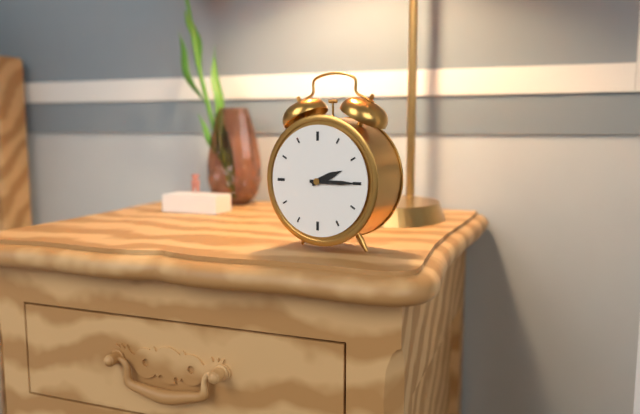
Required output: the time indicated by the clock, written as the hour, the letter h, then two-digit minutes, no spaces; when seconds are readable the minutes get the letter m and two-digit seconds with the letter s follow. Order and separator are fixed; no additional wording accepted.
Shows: 2h15
